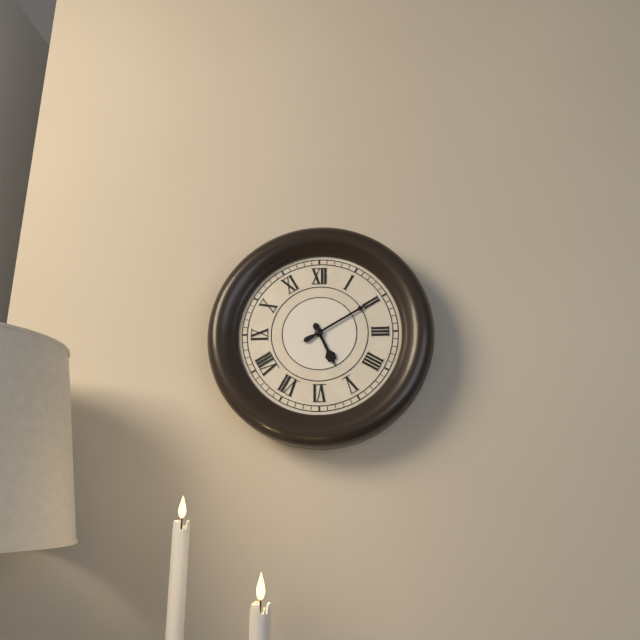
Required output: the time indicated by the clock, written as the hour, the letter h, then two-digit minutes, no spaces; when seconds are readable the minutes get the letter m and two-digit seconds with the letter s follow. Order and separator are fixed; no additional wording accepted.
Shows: 5h10
